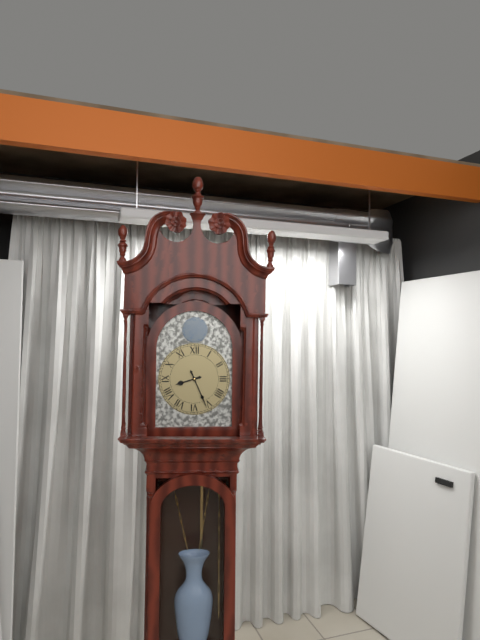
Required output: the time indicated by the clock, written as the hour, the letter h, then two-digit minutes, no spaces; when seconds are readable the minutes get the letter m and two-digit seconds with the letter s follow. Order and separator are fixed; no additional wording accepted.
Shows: 8h26
